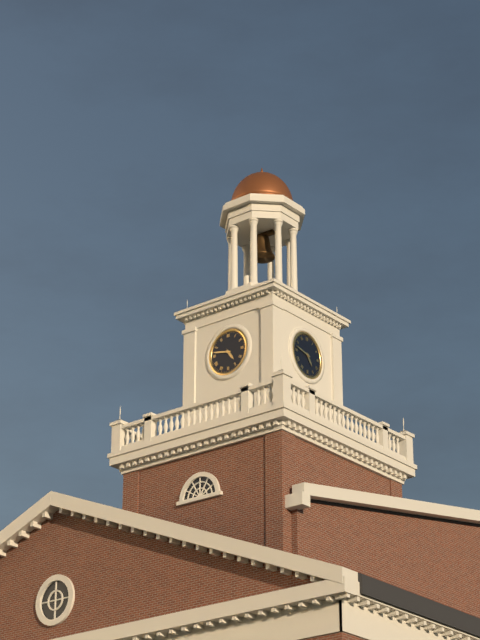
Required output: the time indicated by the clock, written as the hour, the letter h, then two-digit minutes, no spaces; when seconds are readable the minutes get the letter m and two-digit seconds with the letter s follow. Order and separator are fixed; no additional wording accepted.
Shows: 4h47
